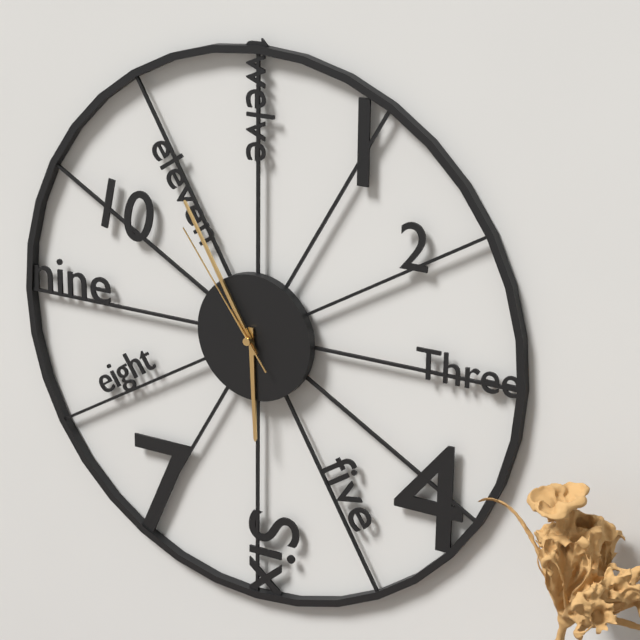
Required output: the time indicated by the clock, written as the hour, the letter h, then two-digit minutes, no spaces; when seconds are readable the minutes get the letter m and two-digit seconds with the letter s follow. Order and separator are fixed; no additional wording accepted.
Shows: 5h55m54s
